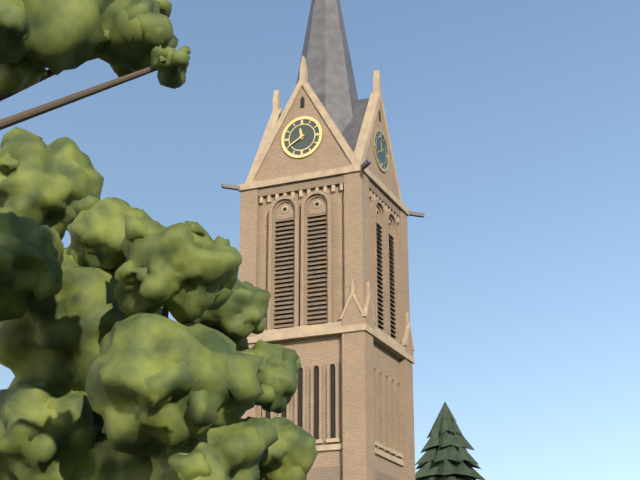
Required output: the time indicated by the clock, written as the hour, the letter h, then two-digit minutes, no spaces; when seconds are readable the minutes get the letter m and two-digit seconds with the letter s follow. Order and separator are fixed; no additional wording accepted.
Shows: 11h40
